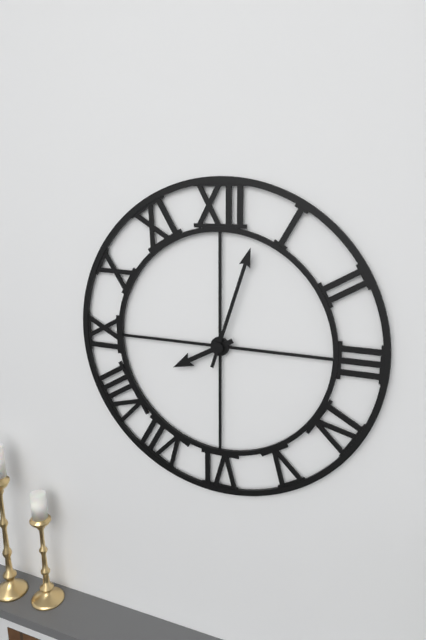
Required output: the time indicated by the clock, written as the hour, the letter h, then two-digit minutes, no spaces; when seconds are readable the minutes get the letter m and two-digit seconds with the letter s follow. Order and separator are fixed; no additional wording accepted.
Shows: 8h03
